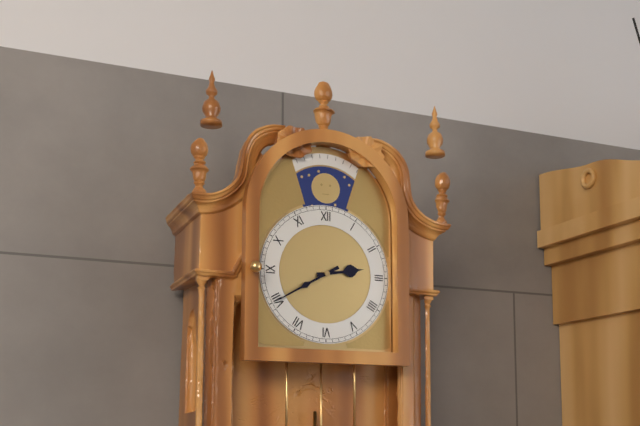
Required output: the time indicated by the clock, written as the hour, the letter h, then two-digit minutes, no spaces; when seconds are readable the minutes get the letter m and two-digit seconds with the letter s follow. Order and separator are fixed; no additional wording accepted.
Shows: 2h40
